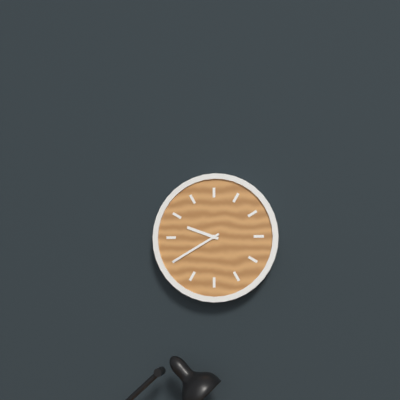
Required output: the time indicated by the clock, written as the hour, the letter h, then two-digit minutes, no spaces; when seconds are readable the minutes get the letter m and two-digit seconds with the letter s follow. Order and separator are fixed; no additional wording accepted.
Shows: 9h40
